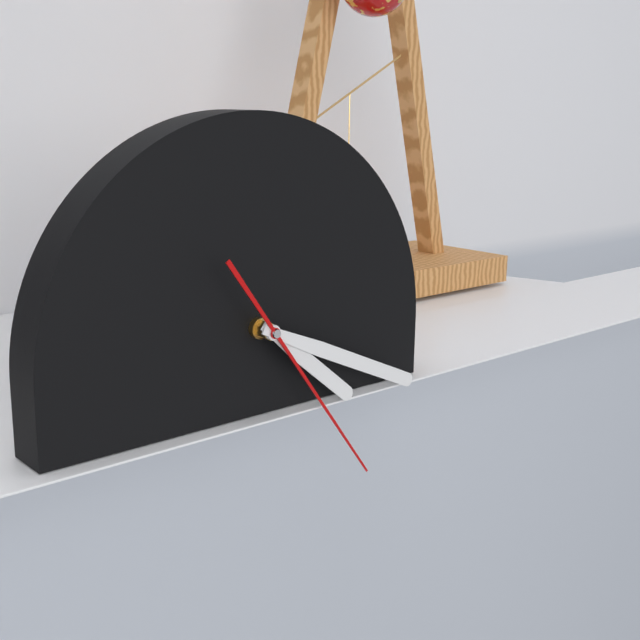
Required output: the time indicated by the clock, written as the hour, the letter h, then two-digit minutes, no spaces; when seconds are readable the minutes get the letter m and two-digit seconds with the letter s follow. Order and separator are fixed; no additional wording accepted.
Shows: 4h19m24s
